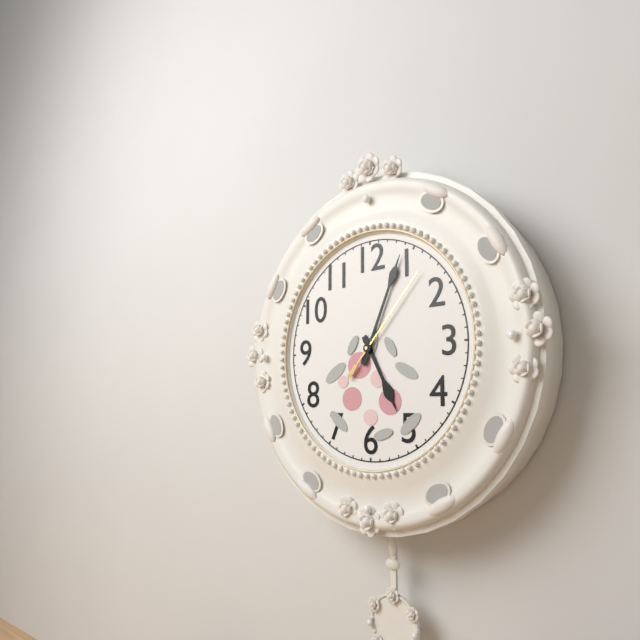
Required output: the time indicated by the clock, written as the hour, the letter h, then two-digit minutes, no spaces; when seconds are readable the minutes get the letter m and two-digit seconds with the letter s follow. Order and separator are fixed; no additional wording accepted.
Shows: 5h04m07s
